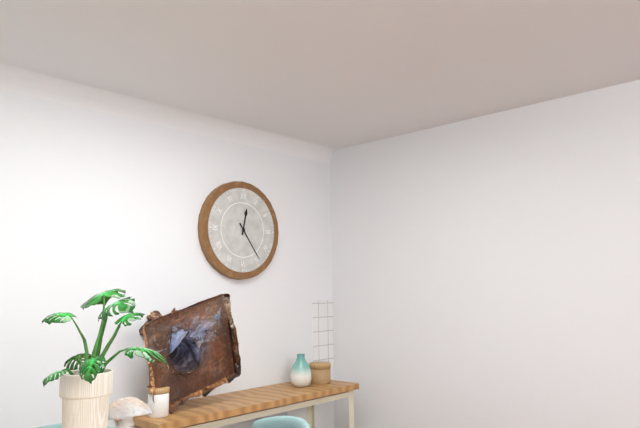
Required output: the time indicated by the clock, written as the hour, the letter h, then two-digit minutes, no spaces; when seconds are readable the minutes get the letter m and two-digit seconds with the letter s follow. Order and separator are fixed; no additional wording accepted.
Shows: 12h24
